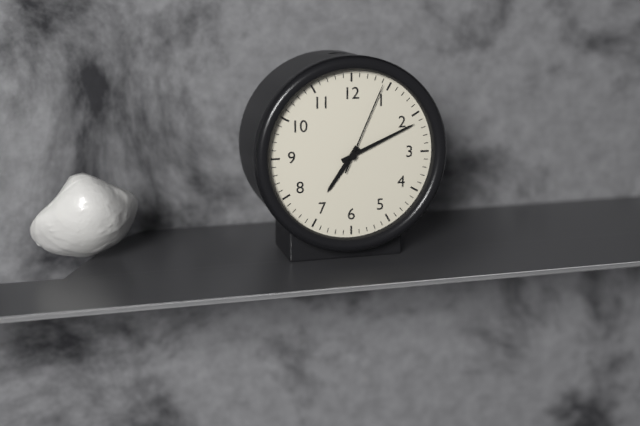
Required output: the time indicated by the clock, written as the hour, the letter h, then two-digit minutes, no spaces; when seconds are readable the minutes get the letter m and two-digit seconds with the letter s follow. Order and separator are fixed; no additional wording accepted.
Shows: 7h11m04s
